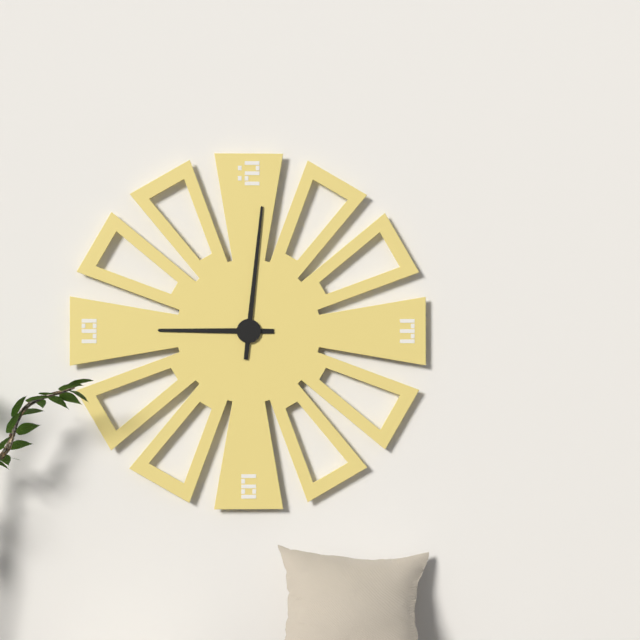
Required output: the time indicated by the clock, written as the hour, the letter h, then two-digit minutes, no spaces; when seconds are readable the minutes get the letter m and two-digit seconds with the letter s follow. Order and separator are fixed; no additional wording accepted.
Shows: 9h01
